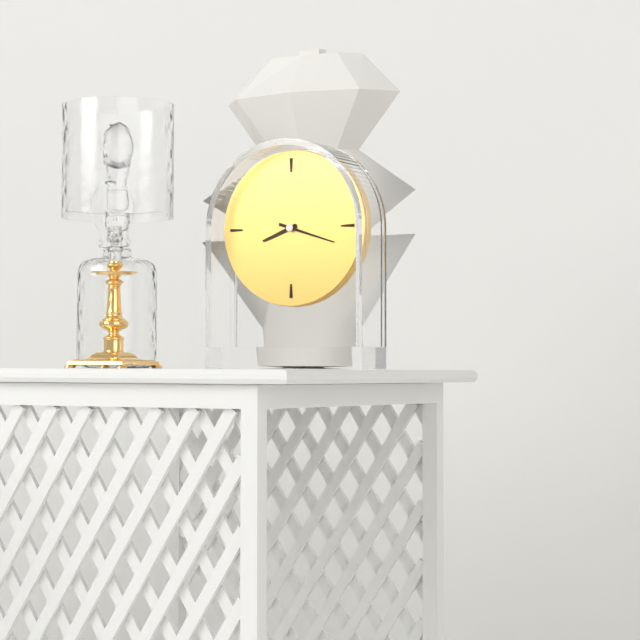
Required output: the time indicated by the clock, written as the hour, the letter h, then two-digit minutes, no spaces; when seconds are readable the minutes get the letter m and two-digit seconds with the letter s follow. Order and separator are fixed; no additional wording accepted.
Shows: 8h18
